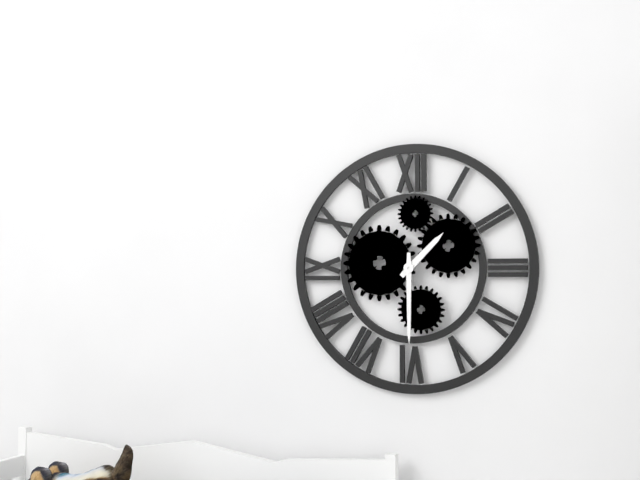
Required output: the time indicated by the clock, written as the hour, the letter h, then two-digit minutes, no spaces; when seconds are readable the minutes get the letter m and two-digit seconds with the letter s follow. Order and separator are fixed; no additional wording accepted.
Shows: 1h30
